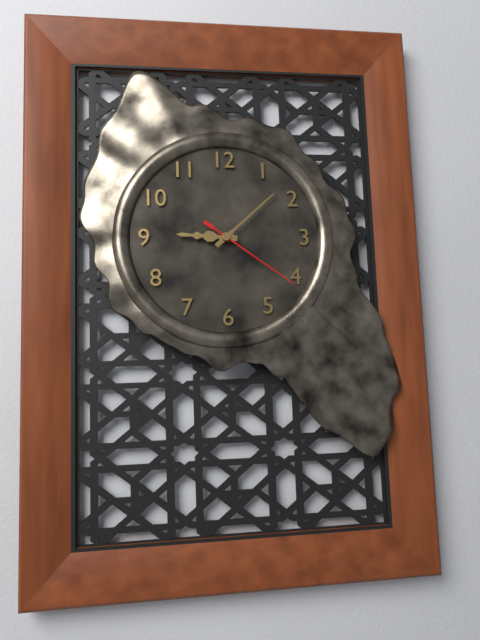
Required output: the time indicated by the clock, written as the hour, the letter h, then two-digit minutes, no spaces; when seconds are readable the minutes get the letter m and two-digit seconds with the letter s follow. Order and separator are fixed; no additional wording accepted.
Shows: 9h08m21s
